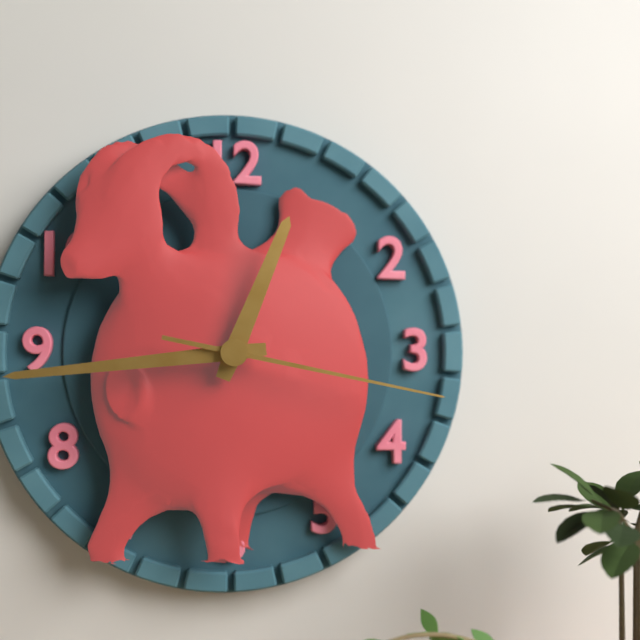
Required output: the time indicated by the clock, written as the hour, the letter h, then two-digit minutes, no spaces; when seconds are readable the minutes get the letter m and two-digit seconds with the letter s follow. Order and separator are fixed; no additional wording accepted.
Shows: 12h44m17s
